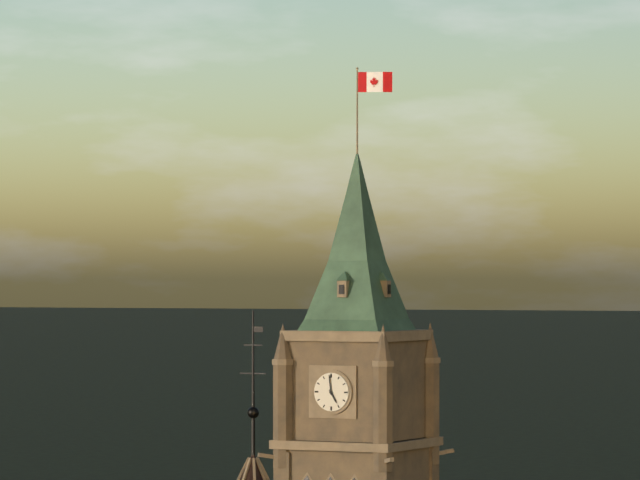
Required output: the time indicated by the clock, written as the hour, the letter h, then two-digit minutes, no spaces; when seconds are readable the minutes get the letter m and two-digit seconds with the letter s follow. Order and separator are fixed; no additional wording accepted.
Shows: 4h59
